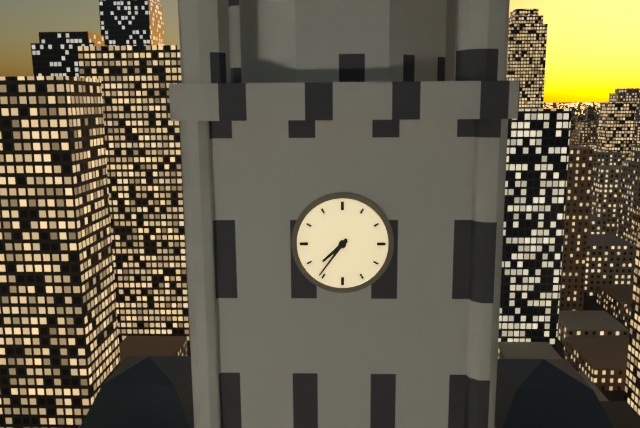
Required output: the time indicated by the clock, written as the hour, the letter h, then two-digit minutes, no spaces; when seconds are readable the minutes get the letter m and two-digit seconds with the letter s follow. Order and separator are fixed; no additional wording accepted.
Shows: 7h36
